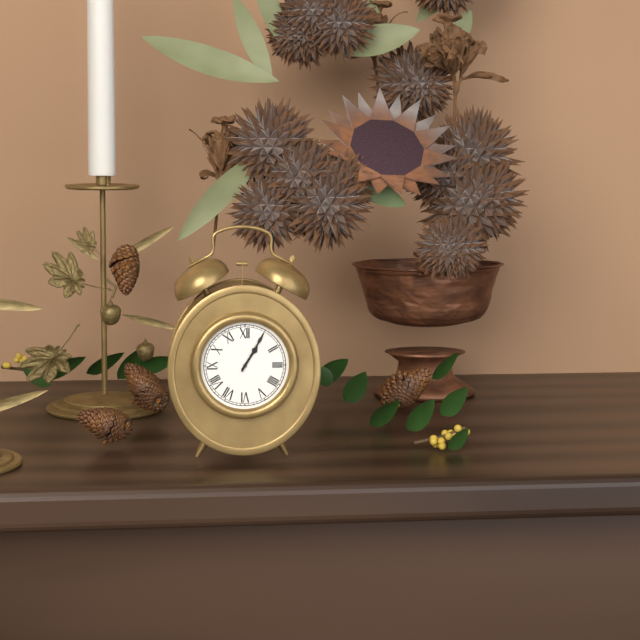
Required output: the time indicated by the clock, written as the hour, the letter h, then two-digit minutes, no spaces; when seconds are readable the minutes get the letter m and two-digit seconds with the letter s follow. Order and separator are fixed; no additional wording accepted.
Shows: 1h05
